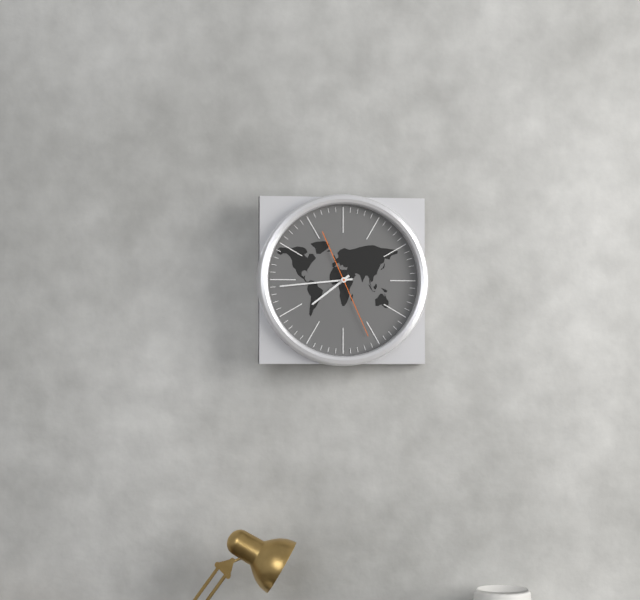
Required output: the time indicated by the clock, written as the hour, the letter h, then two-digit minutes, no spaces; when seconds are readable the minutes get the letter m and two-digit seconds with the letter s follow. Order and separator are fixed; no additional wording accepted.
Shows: 7h44m26s
